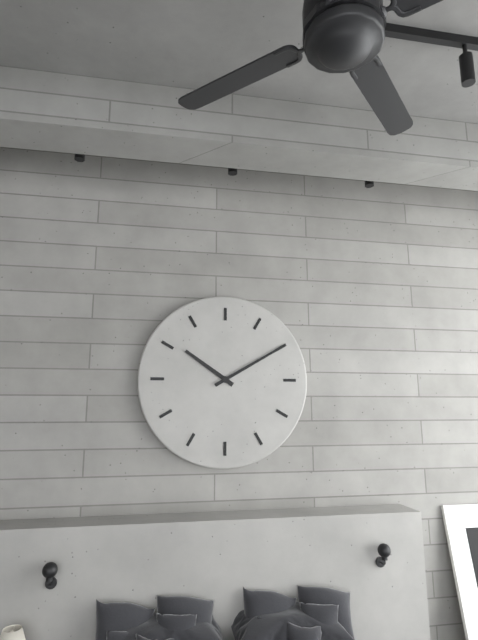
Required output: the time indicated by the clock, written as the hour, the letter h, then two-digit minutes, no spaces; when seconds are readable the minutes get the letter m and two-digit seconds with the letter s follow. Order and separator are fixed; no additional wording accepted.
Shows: 10h10
